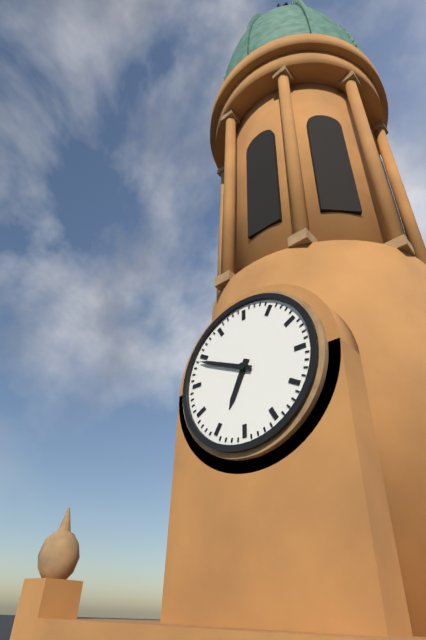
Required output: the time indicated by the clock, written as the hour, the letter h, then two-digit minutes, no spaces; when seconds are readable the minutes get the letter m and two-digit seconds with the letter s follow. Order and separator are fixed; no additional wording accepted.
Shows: 6h49
